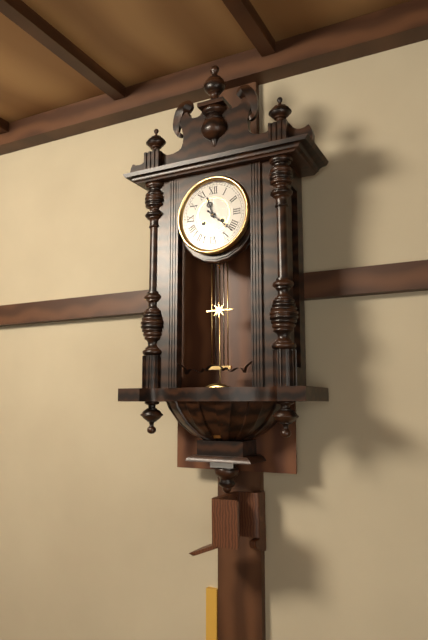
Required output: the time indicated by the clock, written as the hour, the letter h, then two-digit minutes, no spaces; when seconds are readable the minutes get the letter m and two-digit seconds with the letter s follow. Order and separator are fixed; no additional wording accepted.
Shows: 11h22
